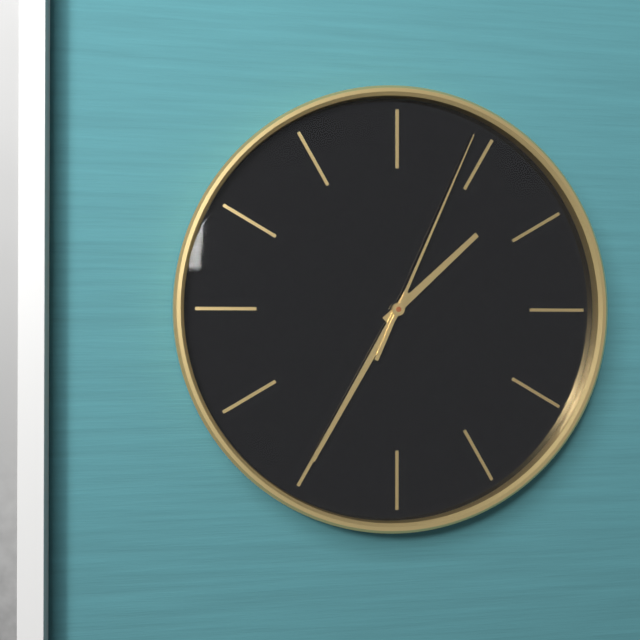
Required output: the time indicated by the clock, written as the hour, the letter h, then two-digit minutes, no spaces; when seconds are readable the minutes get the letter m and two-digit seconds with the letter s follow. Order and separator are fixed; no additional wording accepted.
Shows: 1h35m04s
